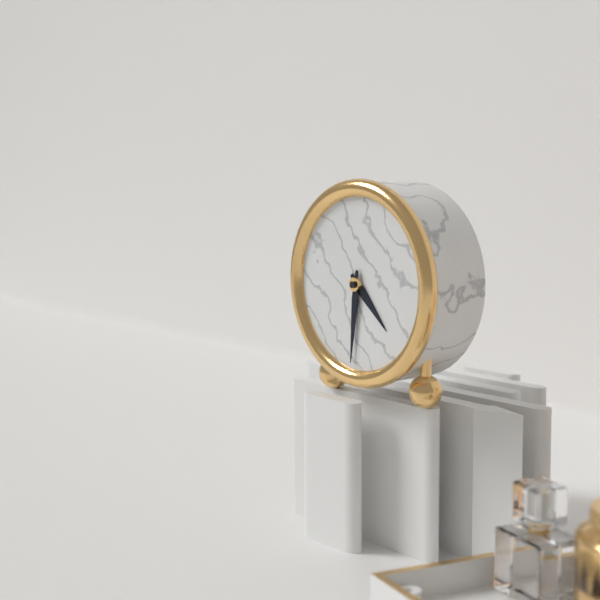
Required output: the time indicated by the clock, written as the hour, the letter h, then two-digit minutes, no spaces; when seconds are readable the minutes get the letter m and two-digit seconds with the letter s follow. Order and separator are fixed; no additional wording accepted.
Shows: 4h31
